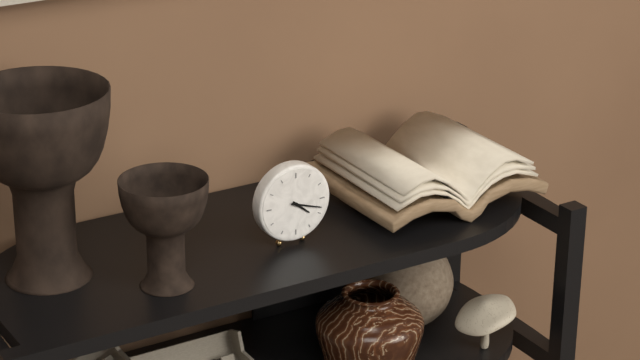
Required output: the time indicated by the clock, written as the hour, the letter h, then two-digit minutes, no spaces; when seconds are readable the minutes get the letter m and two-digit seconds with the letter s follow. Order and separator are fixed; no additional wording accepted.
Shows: 4h18
